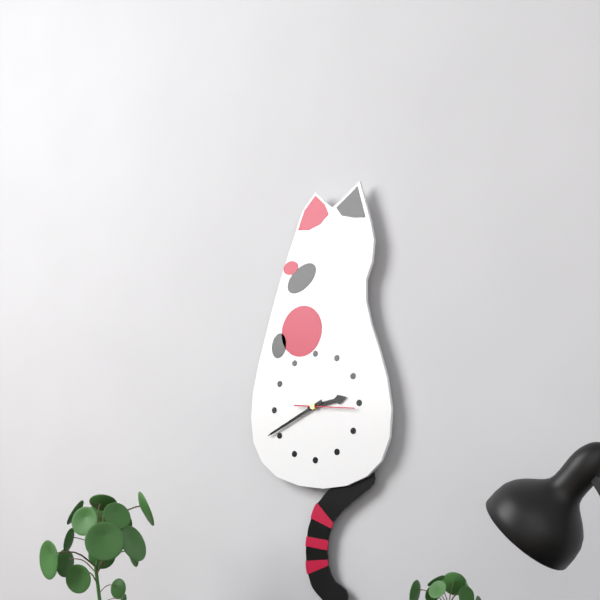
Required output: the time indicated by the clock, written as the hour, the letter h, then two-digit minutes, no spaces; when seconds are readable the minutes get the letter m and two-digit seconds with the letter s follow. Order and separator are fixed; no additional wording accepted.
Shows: 2h41
